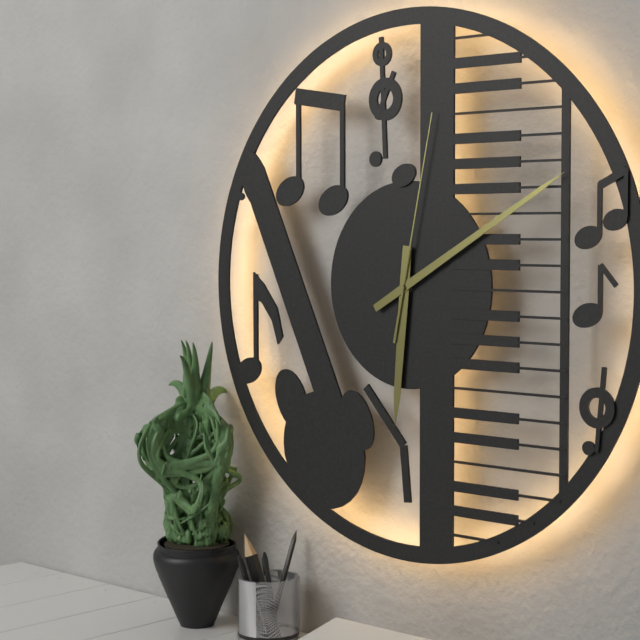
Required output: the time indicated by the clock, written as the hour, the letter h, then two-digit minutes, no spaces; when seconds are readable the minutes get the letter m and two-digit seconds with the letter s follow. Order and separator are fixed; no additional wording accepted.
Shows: 6h10m02s
